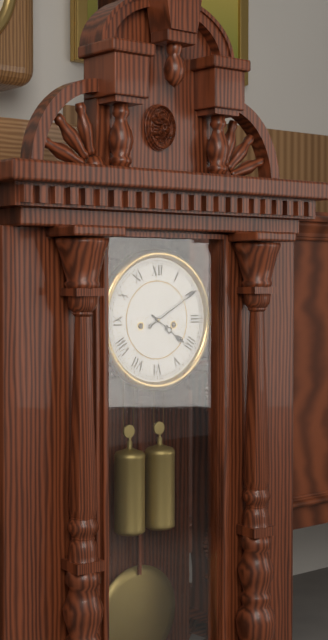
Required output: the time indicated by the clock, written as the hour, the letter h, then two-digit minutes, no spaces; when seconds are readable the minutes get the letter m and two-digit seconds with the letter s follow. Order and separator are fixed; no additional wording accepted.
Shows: 4h10
